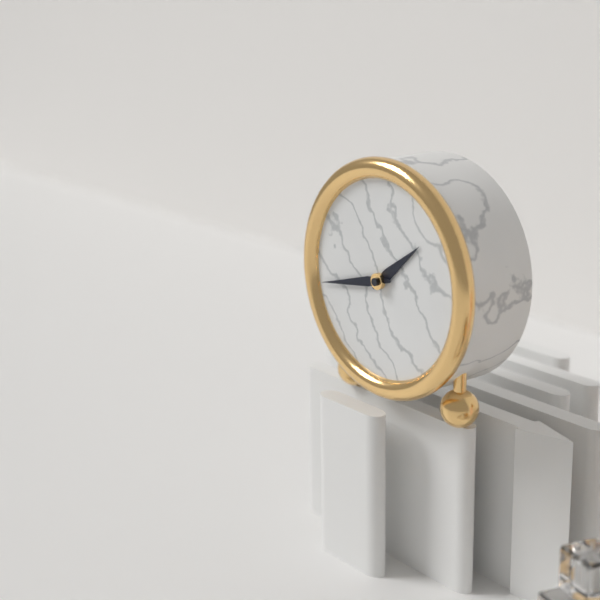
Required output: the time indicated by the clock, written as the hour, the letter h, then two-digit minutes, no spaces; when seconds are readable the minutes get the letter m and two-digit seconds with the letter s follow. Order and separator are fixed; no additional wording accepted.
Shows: 1h43
